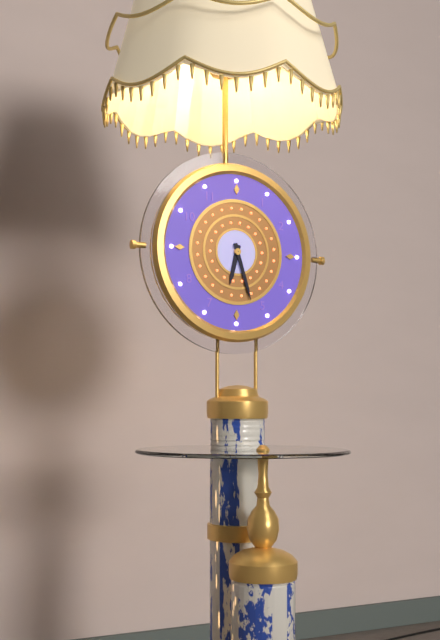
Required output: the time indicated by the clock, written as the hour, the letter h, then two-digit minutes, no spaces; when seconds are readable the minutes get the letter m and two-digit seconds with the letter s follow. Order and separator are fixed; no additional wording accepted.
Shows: 6h27
